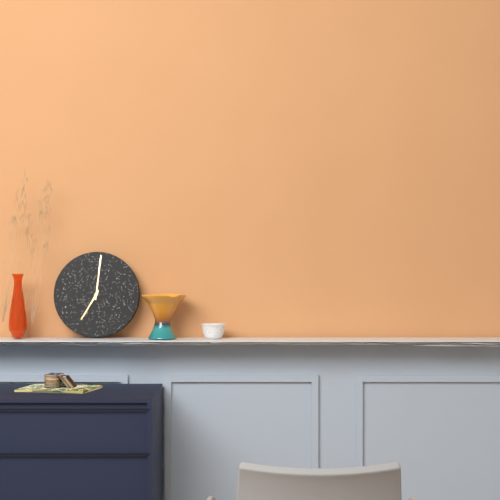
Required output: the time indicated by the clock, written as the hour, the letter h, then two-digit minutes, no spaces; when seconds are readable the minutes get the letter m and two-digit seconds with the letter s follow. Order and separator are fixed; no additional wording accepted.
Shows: 7h01
